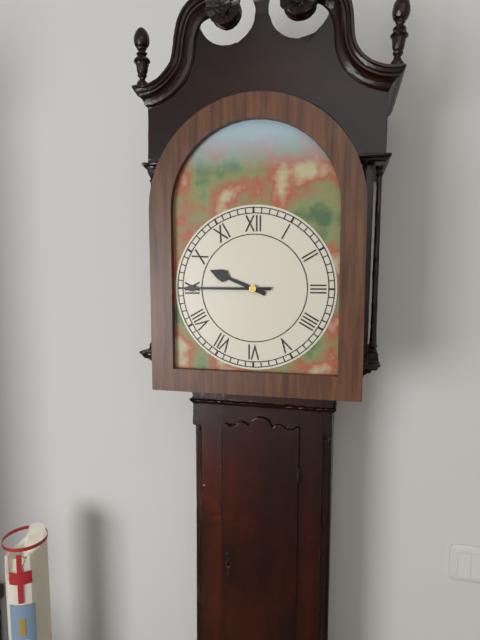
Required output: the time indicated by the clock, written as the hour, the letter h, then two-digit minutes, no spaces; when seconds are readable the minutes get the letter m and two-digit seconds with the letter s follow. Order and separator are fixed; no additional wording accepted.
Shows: 9h45
